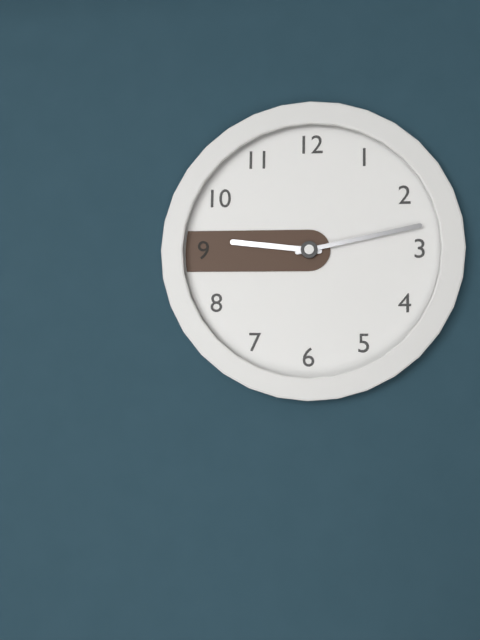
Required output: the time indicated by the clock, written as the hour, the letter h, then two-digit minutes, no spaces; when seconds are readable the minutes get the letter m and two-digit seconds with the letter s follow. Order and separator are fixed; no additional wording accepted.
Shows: 9h13
